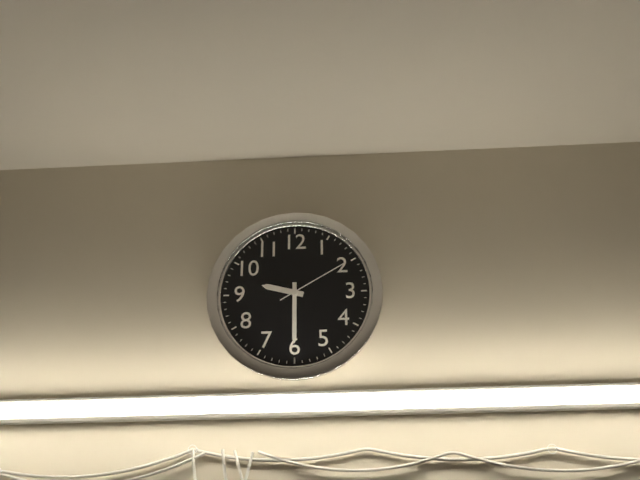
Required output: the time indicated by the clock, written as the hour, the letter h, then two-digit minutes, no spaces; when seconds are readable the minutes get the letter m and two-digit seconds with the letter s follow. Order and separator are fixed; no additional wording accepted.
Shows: 9h30m10s
